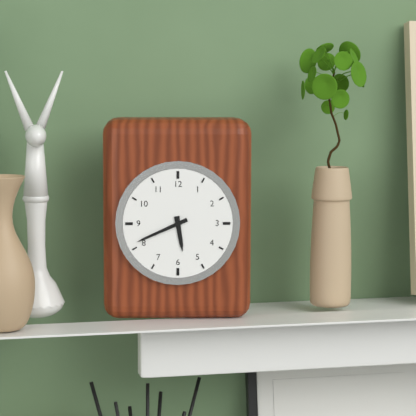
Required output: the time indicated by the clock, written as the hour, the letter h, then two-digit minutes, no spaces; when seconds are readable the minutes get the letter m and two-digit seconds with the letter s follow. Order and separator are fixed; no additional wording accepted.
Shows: 5h41
